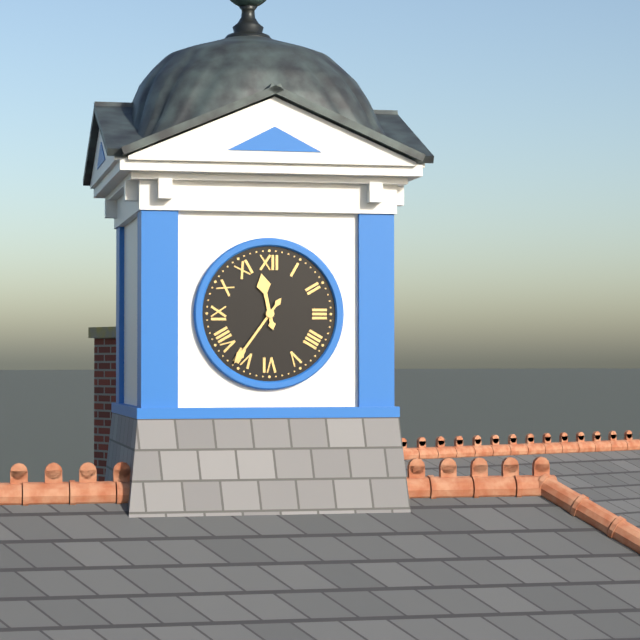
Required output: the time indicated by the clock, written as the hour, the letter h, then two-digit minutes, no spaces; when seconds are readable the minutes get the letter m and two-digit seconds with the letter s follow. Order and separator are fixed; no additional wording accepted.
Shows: 11h36
